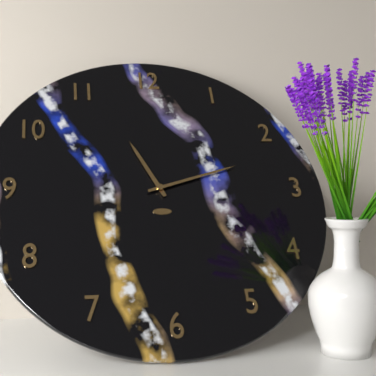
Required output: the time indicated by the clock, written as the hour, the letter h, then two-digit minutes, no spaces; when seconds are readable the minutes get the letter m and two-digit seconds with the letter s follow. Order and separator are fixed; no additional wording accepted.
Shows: 11h12
